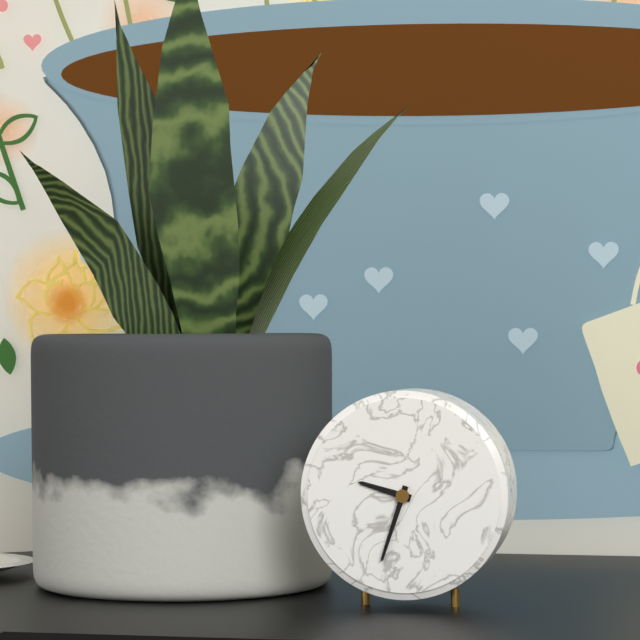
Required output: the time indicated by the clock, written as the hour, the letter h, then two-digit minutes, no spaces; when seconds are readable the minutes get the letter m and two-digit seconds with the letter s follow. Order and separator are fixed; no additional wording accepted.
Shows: 9h33
